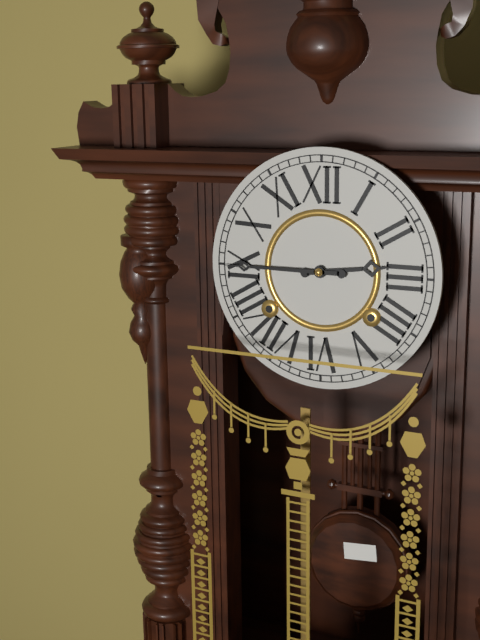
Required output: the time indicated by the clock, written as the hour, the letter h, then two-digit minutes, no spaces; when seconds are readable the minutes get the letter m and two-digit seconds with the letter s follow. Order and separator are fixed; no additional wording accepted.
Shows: 2h45
